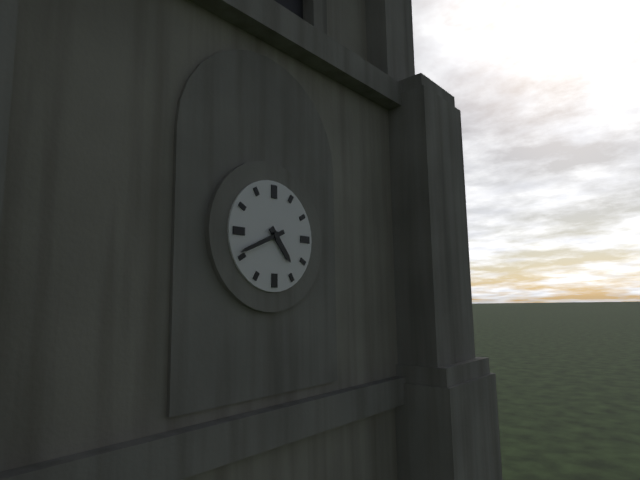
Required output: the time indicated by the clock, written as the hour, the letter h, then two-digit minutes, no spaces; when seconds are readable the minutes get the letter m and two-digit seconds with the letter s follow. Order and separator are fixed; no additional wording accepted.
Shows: 4h41
